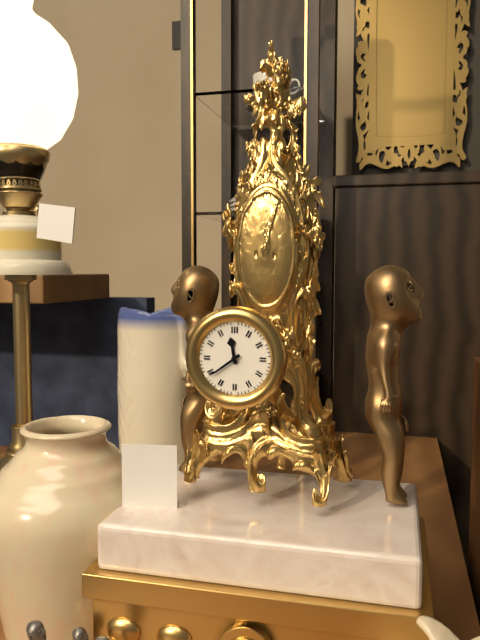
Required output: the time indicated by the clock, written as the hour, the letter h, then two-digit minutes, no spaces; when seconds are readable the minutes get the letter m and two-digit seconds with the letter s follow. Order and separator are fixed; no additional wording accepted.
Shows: 11h39
